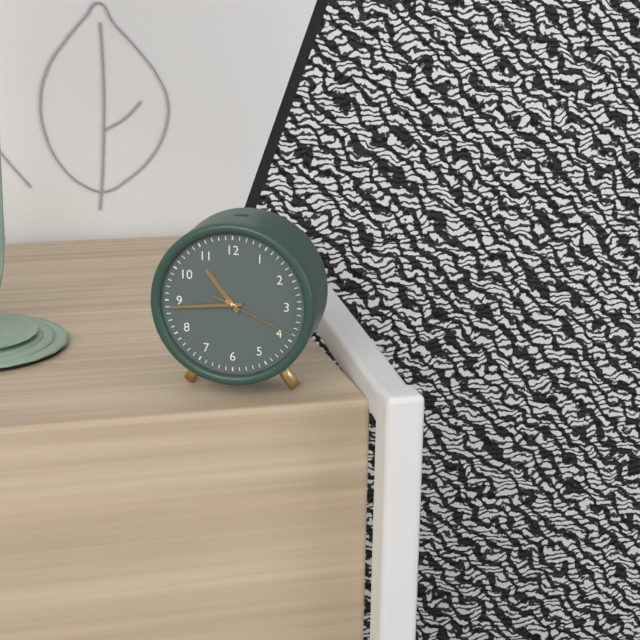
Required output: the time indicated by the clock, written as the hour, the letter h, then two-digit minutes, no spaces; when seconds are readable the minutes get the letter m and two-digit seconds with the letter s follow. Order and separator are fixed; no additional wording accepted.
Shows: 10h44m19s
